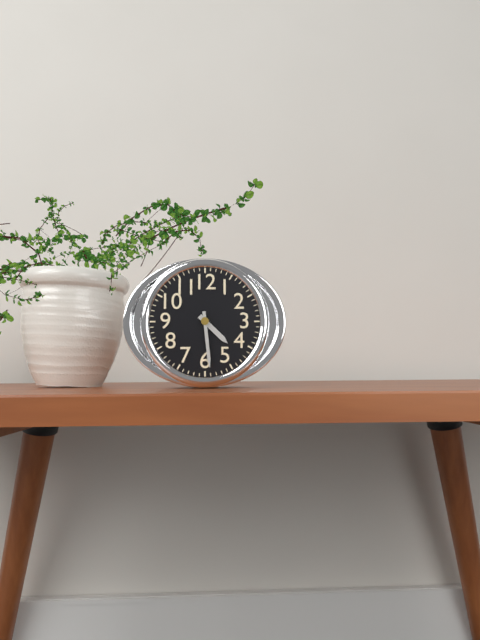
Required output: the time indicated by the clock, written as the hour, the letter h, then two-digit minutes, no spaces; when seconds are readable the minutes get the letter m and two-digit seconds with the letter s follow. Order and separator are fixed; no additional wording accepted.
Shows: 4h29
